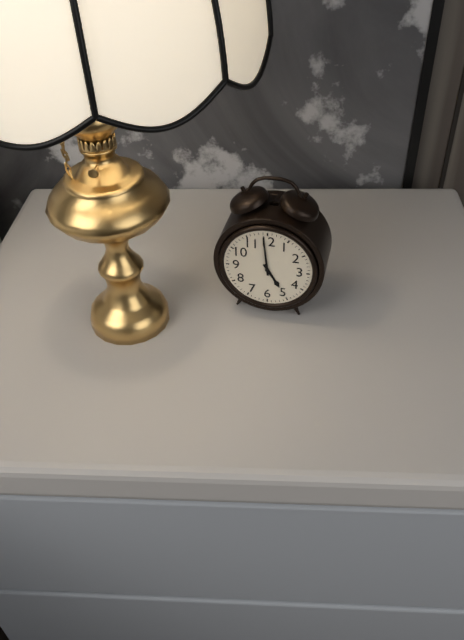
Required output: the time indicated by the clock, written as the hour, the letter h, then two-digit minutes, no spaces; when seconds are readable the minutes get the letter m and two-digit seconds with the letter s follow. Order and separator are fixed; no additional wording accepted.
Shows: 4h59
